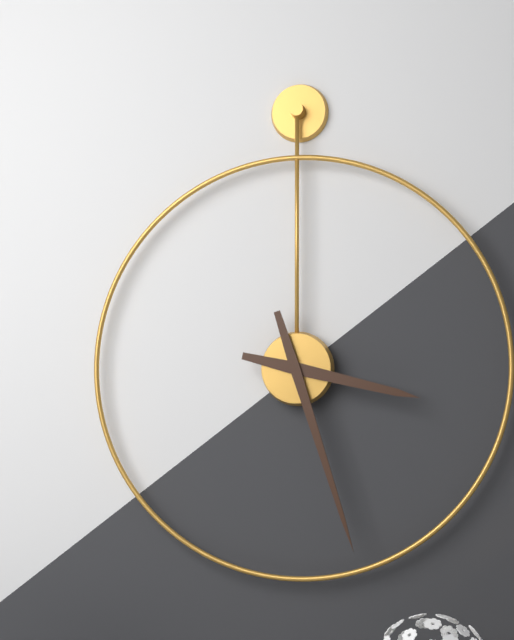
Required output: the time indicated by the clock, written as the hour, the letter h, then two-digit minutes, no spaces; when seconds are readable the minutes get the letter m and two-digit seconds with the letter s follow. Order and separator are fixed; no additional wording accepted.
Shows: 3h27
